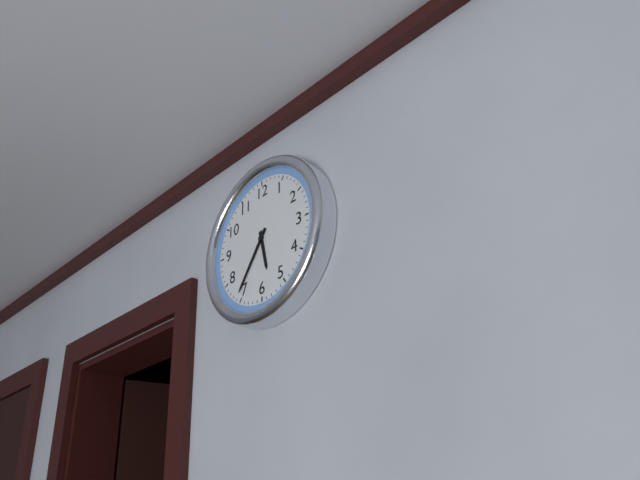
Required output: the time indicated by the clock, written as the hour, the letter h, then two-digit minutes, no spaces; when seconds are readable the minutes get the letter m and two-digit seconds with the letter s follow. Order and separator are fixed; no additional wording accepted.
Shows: 5h36
